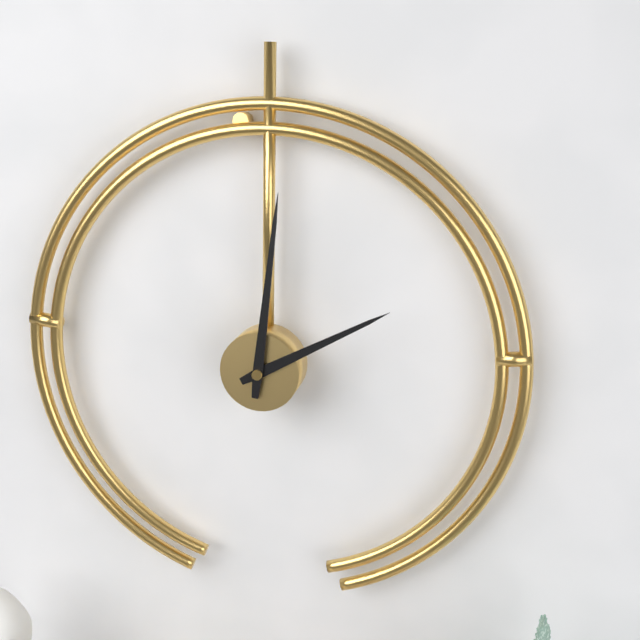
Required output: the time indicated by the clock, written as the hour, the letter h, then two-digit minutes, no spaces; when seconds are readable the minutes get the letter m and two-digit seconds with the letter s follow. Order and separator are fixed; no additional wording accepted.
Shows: 2h01
